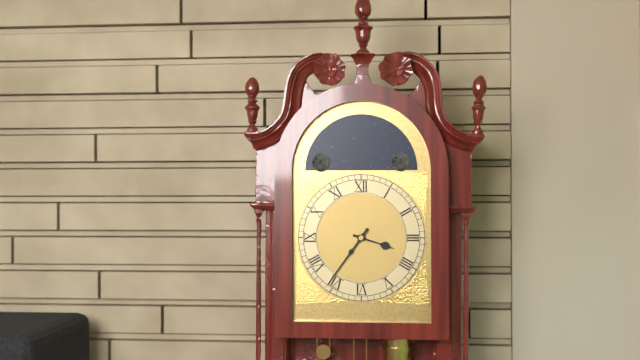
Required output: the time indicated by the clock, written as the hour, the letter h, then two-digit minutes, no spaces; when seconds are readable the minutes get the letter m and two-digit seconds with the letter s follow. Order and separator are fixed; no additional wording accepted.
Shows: 3h36
